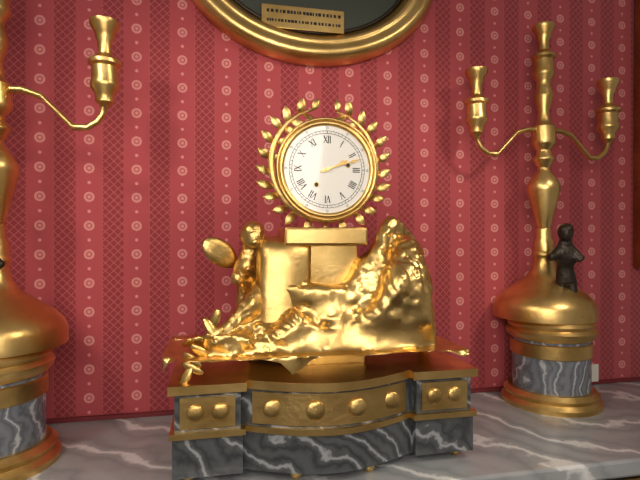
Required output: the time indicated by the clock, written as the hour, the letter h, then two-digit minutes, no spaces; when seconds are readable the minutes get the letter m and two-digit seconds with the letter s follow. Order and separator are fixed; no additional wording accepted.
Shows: 2h12
